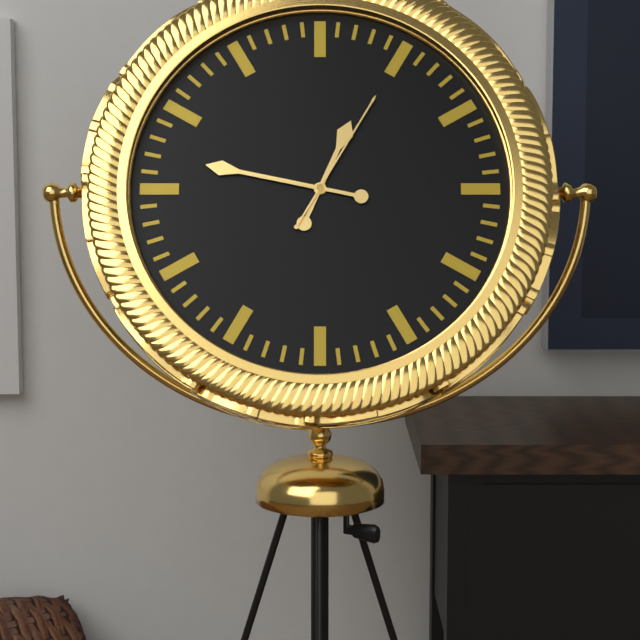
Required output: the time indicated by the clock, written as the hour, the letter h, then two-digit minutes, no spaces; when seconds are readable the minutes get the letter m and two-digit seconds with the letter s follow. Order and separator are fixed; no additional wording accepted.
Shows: 12h47m05s
